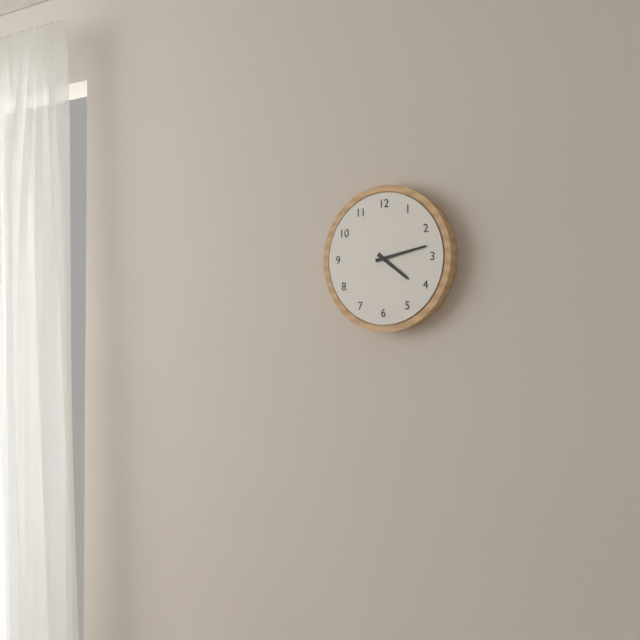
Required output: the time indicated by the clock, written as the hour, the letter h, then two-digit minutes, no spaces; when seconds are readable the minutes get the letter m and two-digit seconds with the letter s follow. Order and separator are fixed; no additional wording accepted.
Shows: 4h13
